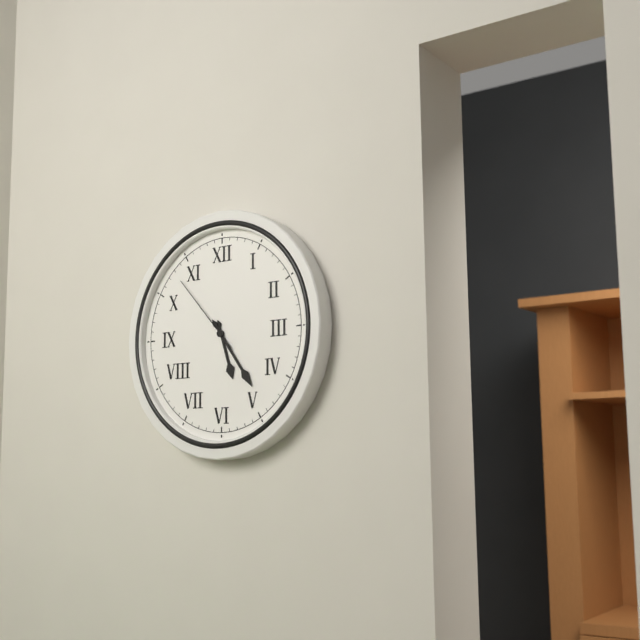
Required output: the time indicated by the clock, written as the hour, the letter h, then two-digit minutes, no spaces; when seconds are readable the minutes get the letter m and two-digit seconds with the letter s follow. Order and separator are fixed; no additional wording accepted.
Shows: 5h24m53s
